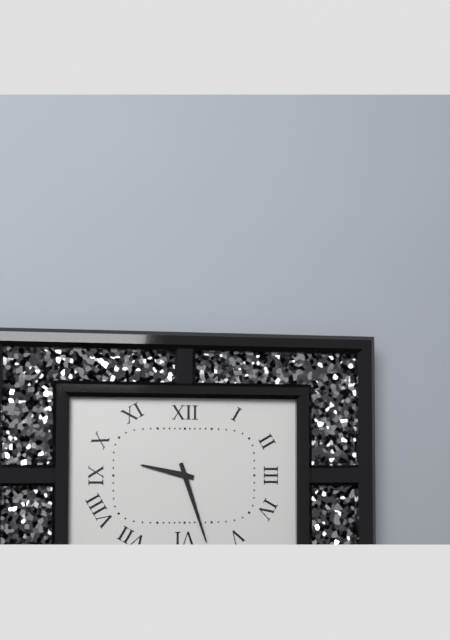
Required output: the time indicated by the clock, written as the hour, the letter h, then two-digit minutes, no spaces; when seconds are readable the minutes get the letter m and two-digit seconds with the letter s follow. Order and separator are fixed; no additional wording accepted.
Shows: 9h27
